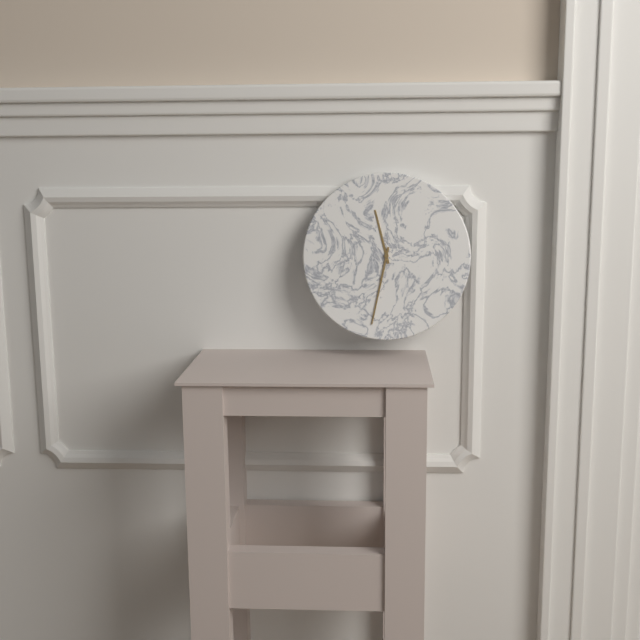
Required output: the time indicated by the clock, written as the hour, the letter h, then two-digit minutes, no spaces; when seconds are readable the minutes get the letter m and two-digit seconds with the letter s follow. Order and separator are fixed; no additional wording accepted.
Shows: 11h32
